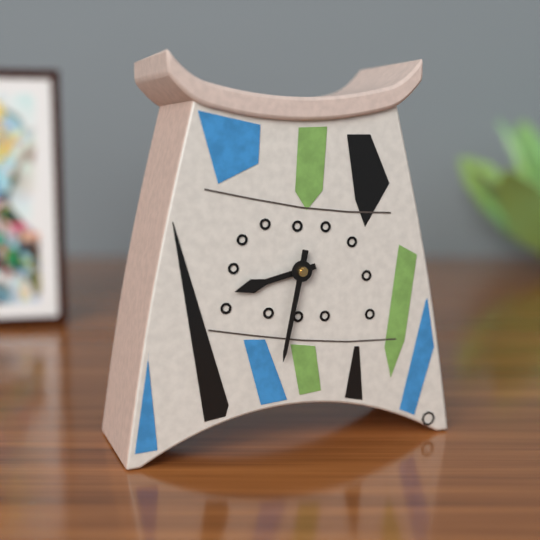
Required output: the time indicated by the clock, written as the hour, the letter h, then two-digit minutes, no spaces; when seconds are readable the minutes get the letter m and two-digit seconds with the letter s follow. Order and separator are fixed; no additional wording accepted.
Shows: 8h32
